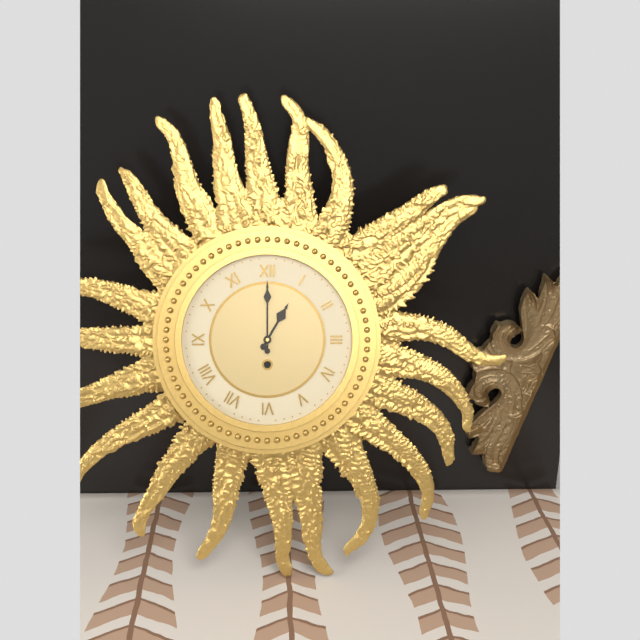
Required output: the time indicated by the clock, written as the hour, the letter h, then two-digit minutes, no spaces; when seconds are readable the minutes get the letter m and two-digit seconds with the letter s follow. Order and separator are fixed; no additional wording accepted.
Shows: 1h00
